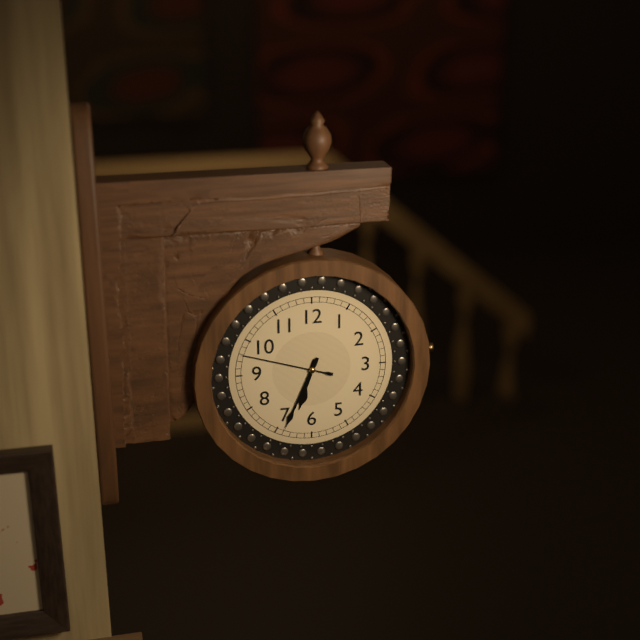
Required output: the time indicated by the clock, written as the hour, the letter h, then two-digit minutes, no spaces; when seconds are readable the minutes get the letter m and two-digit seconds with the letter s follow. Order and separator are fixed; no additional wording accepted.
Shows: 6h34m48s
